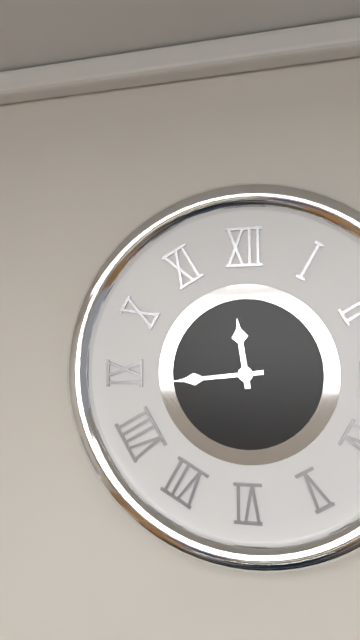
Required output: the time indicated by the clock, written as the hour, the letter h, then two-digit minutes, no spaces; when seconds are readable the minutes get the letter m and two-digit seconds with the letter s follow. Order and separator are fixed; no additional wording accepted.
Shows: 11h44
